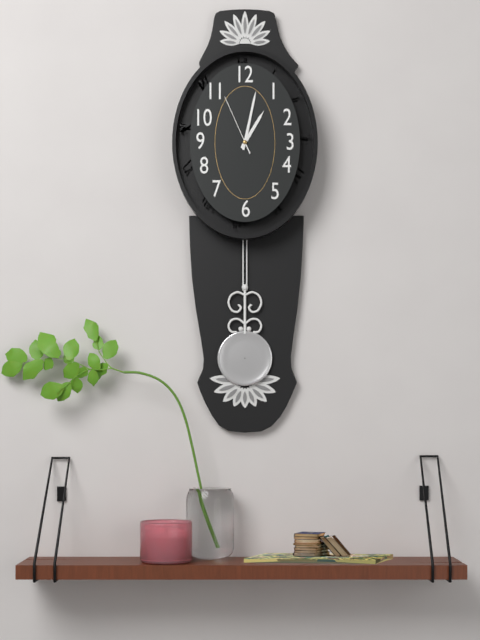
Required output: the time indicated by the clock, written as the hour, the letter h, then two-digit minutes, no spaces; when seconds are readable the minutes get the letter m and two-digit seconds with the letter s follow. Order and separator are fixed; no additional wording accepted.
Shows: 1h02m56s
